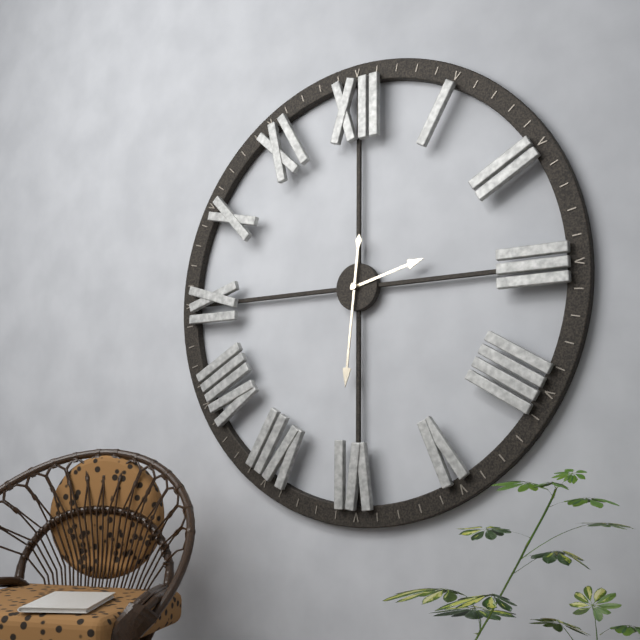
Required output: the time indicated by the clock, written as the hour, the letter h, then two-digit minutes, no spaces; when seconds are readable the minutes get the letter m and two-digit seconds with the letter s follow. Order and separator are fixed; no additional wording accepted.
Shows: 2h31
